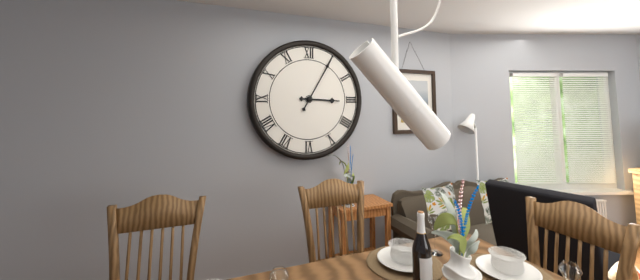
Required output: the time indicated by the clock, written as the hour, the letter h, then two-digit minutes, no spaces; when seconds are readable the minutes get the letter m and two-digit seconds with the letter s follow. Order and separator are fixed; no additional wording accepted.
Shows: 3h05
